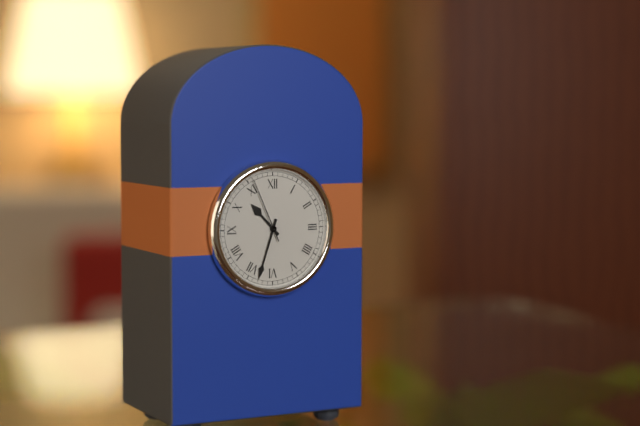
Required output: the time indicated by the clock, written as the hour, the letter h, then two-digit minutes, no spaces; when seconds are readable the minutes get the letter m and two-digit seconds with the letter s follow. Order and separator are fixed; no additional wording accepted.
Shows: 10h33m56s
